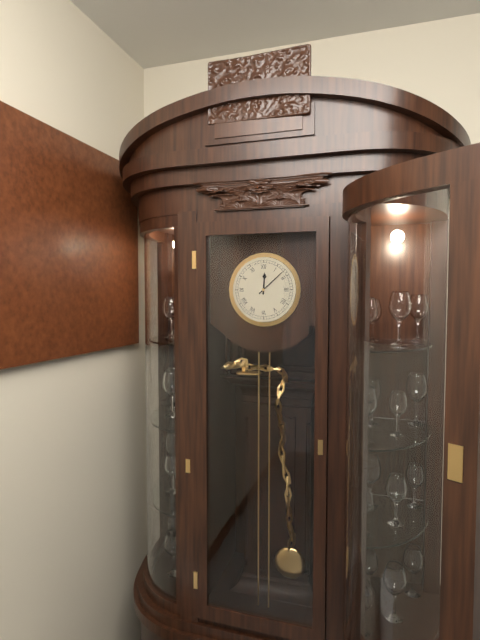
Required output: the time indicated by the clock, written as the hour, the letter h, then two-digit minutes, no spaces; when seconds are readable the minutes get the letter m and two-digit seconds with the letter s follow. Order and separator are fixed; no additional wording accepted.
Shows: 12h08
